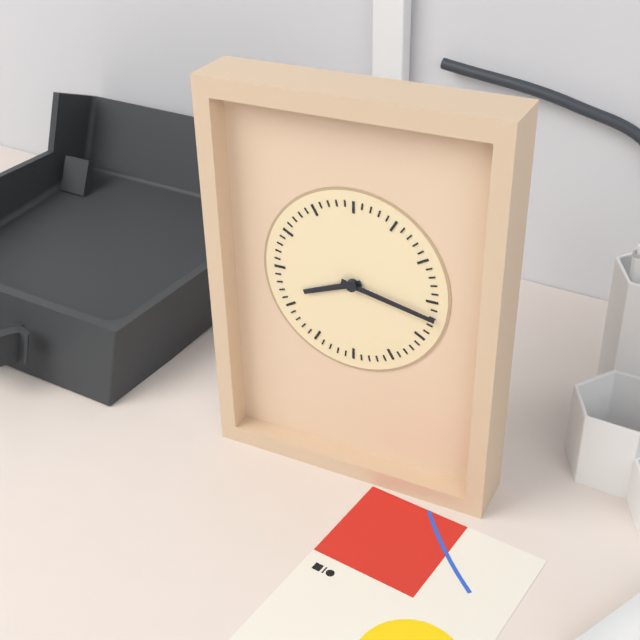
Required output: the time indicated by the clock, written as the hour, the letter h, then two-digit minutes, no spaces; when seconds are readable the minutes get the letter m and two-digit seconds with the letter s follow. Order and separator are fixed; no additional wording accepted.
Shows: 8h17
